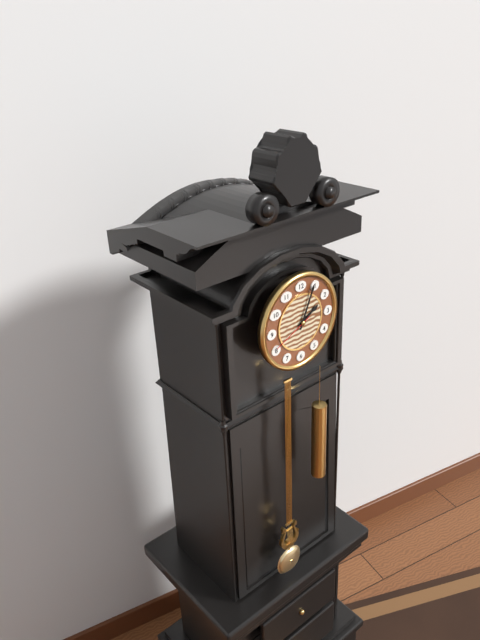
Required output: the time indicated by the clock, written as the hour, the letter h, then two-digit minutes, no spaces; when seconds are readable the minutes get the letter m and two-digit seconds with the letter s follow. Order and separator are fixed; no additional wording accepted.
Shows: 2h04
